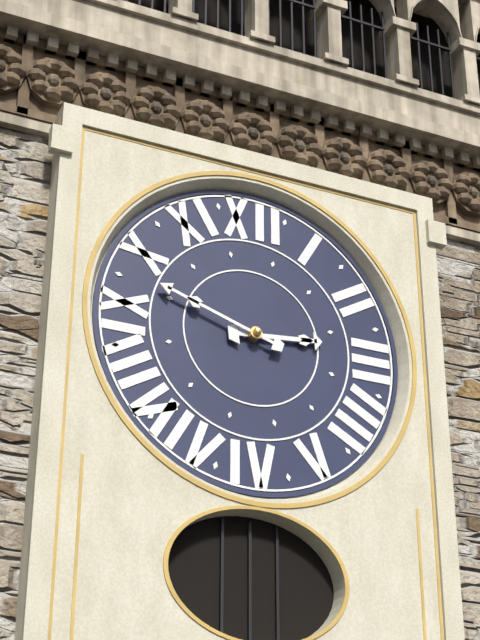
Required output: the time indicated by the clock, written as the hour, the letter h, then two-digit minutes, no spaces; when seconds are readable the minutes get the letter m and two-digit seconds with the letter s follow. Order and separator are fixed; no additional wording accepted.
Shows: 2h48
